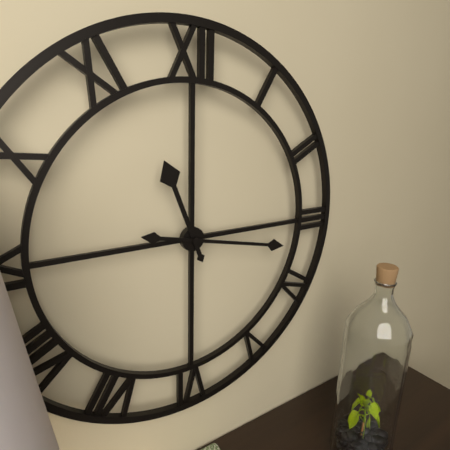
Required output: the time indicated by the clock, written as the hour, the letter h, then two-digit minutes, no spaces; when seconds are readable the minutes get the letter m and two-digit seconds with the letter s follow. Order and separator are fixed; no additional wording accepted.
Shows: 11h17
